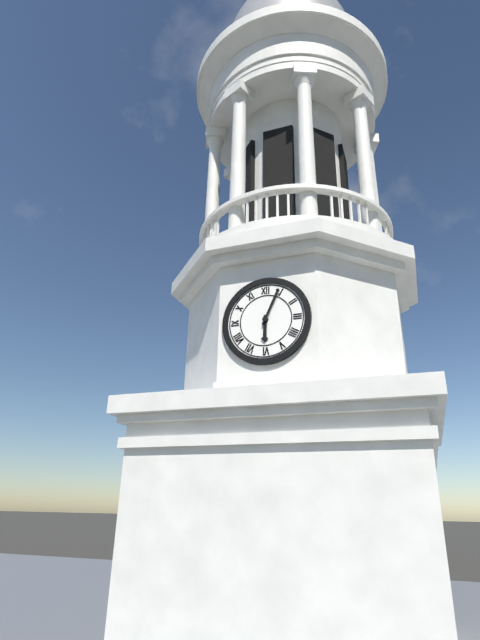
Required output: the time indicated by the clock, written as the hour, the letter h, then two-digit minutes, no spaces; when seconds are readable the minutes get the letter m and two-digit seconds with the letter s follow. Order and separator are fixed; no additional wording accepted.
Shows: 6h04
